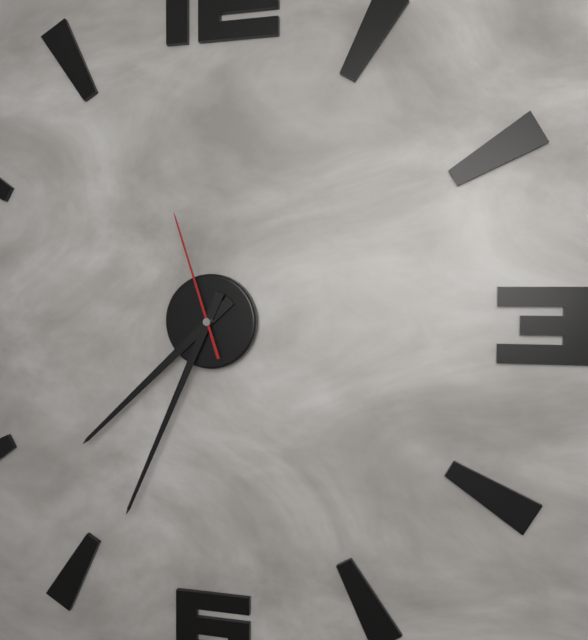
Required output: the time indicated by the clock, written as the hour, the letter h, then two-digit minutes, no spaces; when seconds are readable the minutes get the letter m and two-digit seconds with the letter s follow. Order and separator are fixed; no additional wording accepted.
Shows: 7h34m57s
